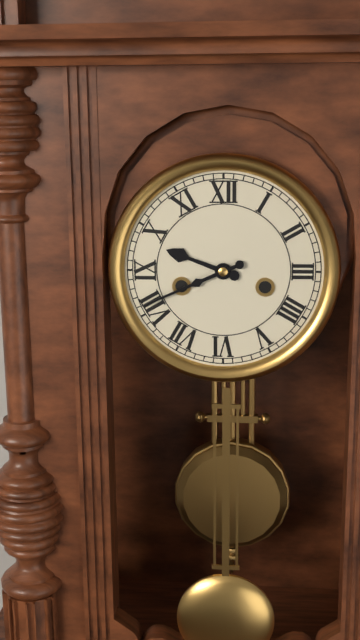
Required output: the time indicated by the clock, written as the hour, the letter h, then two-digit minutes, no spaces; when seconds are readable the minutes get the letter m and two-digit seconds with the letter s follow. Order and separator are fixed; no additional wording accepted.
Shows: 9h41
